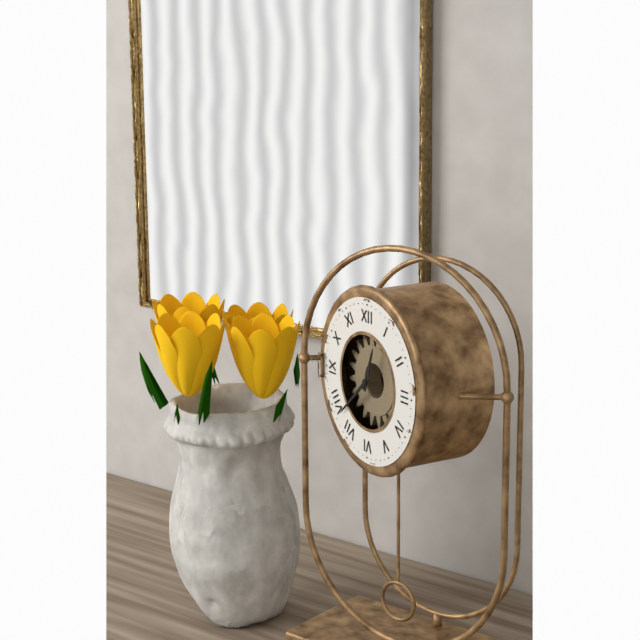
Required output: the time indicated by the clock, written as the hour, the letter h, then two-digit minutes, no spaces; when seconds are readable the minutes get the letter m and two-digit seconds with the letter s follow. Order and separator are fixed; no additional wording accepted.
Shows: 12h38
